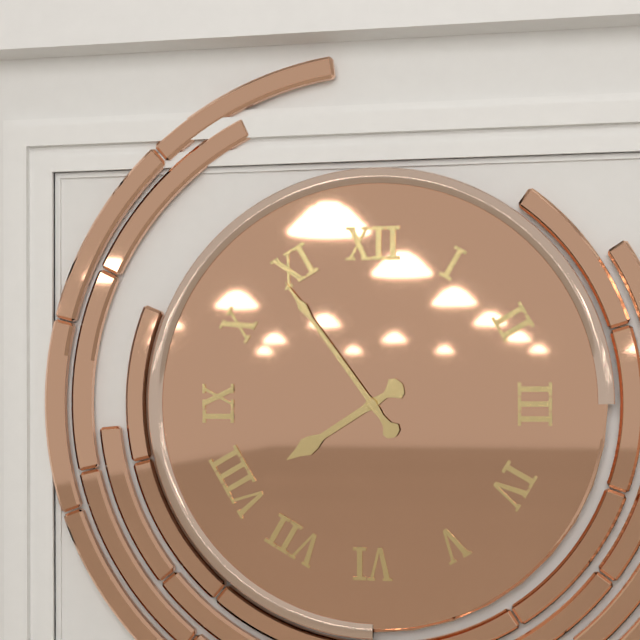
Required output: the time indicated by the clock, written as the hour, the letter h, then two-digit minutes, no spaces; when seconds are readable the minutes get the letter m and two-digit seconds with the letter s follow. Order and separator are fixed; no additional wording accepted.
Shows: 7h54
